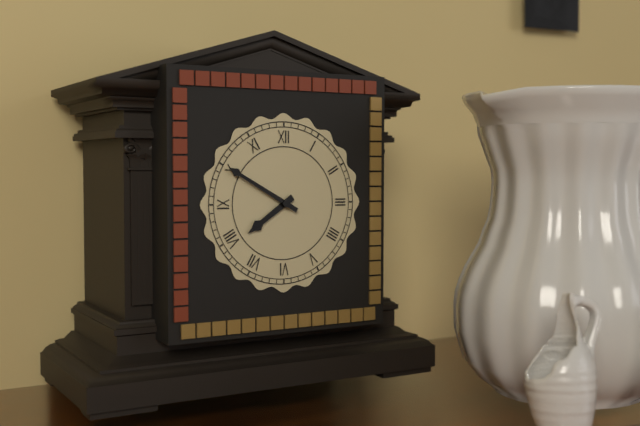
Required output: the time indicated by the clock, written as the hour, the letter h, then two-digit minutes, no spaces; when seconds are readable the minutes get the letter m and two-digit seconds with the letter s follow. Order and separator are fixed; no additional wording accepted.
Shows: 7h50
